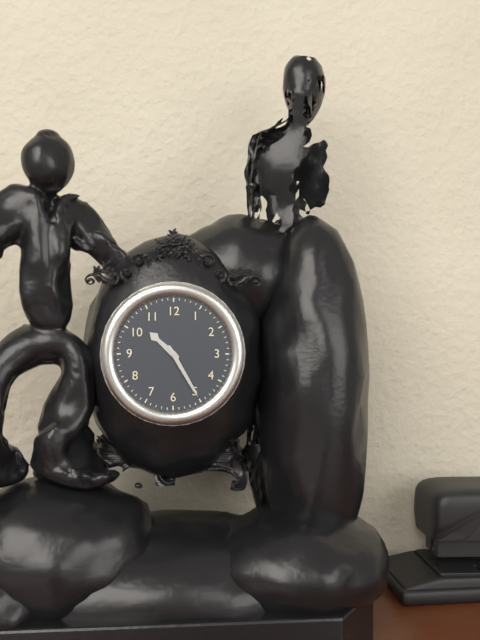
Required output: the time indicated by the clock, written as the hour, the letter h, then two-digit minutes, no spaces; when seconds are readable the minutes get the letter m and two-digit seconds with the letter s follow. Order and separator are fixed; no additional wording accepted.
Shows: 10h25
